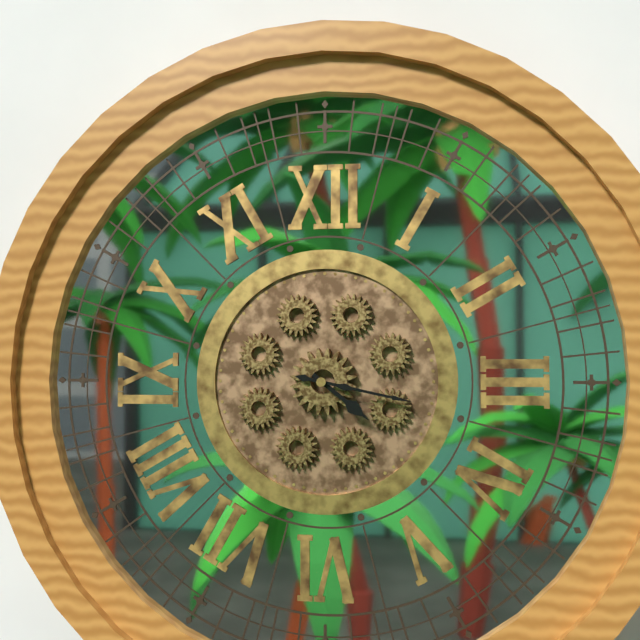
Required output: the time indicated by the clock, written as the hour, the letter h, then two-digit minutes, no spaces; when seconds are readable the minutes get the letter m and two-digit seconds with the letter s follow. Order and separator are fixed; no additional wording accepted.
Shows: 4h17
